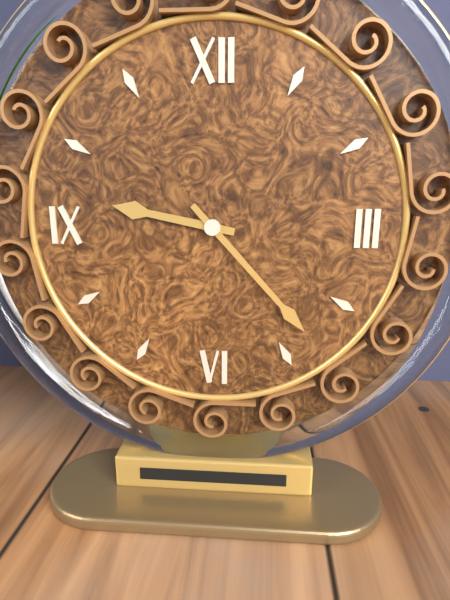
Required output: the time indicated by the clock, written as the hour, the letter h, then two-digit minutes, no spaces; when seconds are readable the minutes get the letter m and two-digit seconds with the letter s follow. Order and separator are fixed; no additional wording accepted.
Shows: 9h23
